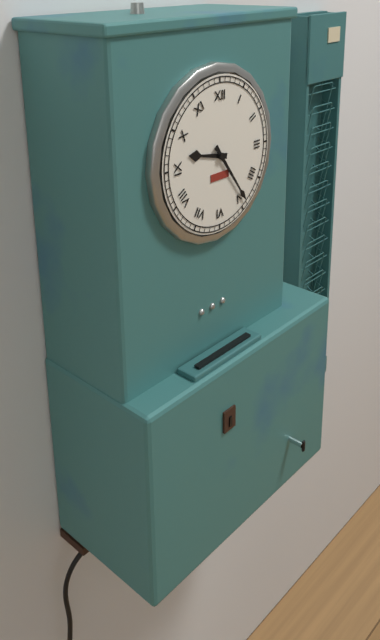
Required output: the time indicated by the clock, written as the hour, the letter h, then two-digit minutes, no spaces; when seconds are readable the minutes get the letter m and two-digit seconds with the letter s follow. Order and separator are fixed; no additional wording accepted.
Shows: 9h24
